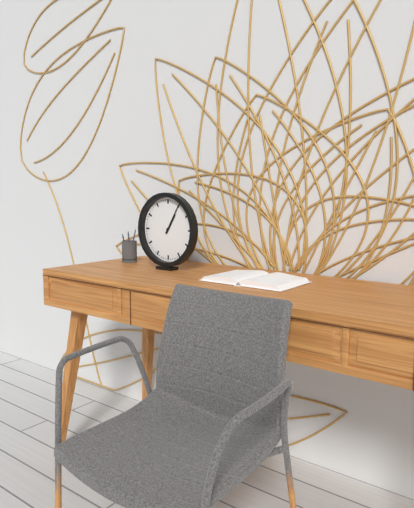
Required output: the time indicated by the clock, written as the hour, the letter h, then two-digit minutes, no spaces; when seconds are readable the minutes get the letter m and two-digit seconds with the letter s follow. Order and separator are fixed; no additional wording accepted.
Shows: 1h05
